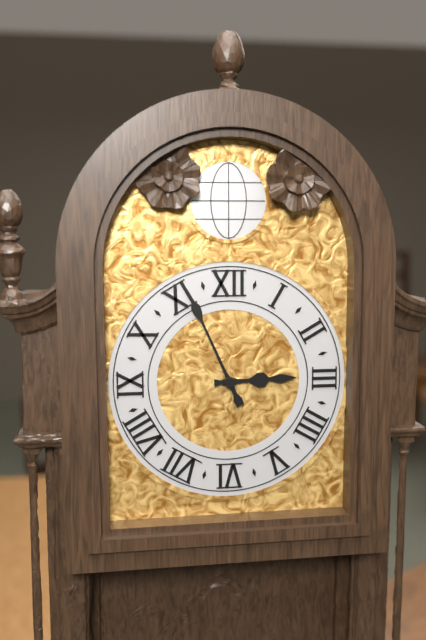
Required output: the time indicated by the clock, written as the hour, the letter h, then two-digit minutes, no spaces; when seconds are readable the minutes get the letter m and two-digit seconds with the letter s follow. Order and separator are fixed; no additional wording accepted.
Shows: 2h56
